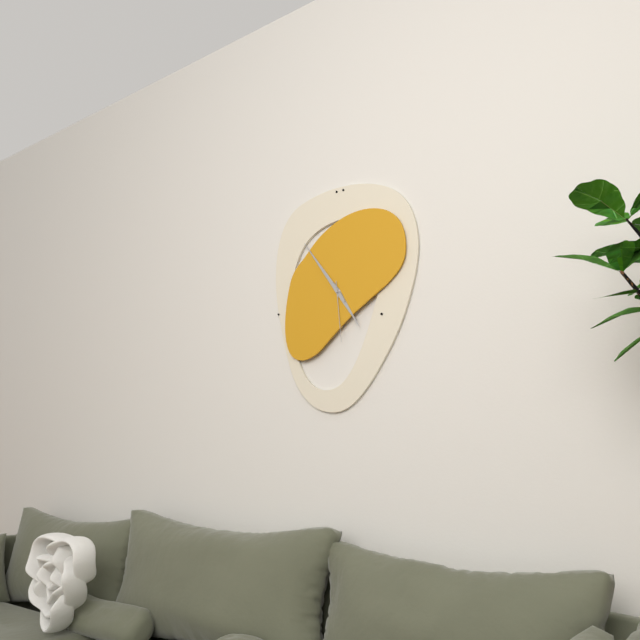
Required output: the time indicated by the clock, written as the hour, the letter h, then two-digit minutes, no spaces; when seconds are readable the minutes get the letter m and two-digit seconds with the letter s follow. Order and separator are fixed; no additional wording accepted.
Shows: 4h54m29s
